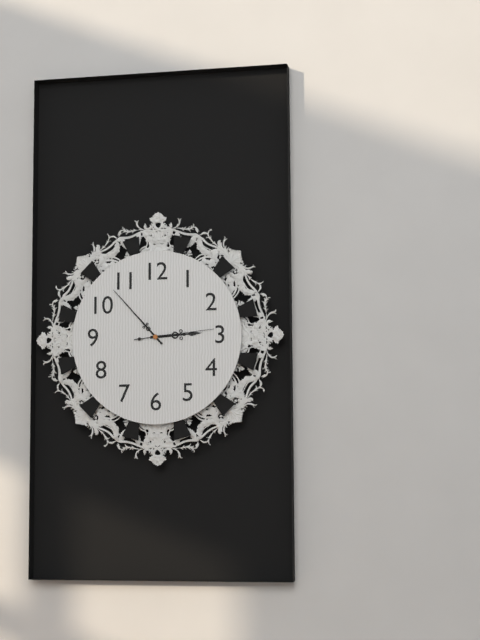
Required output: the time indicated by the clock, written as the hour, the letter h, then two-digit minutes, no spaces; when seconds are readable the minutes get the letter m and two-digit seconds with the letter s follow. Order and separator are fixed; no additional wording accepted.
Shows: 2h53m14s
